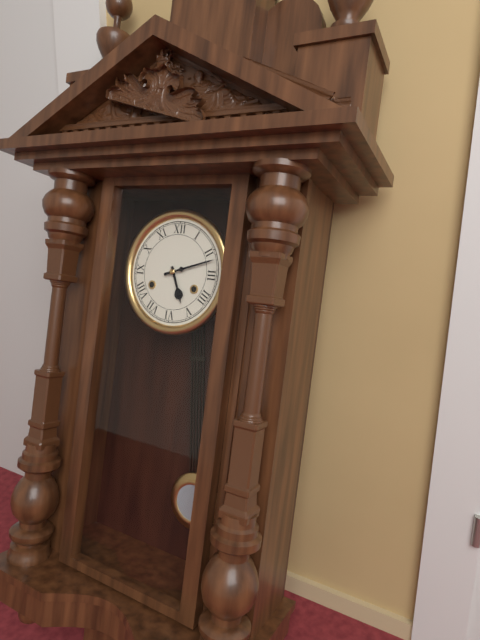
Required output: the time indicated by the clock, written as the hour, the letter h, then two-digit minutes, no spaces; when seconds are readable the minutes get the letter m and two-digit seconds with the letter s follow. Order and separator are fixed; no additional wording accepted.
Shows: 5h12
